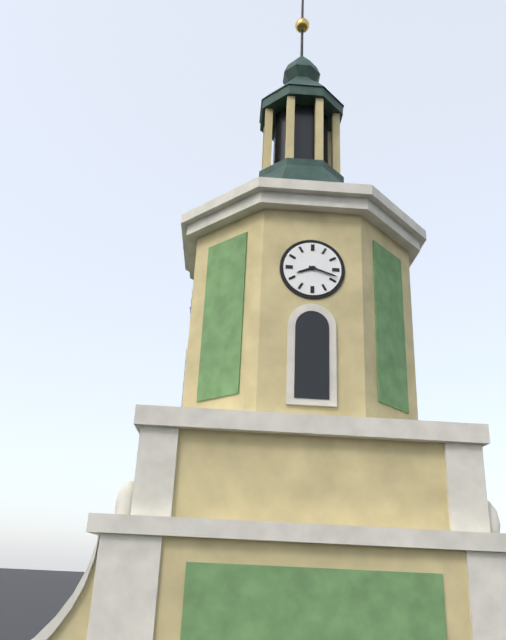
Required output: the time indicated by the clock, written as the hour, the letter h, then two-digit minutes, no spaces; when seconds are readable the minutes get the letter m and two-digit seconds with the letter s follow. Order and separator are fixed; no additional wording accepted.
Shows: 8h18
